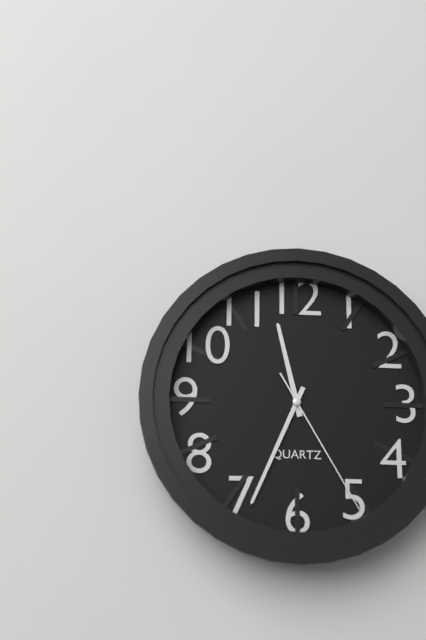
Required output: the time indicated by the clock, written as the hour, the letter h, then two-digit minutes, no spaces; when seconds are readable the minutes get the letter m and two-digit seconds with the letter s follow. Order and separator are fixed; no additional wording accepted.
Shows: 11h34m25s
